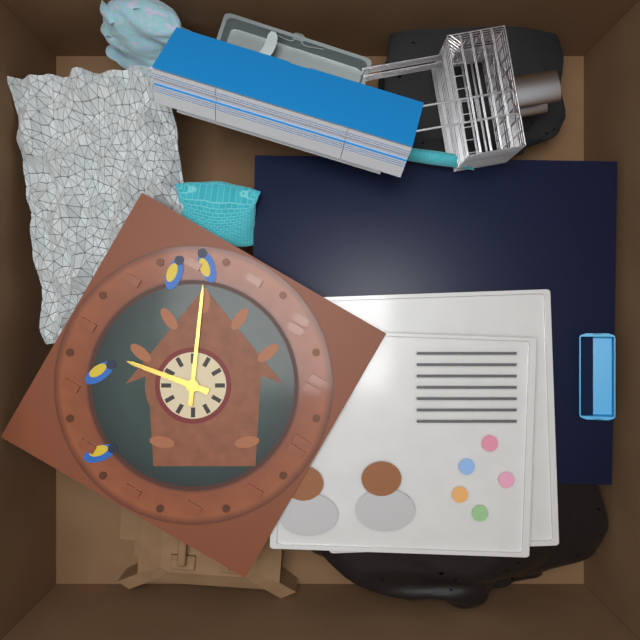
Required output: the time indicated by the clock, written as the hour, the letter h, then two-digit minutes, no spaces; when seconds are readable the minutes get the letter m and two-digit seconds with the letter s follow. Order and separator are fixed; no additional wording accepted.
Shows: 5h41
